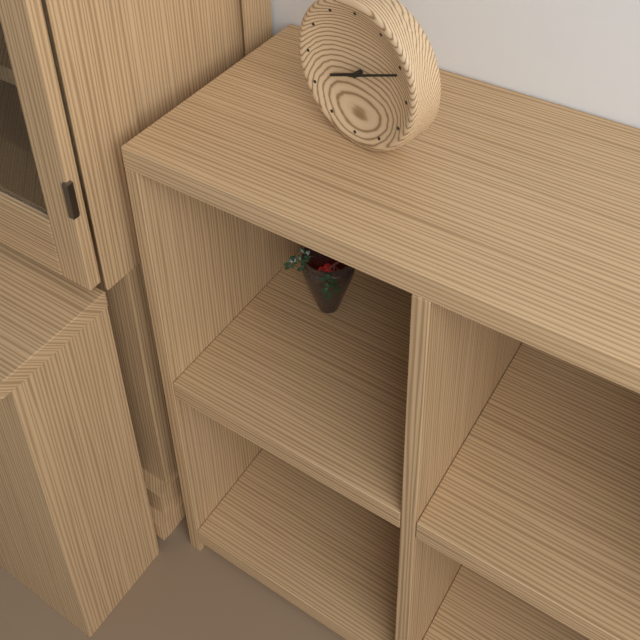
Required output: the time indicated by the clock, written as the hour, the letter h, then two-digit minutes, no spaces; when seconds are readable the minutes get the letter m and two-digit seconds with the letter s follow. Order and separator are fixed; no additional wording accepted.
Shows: 8h11
